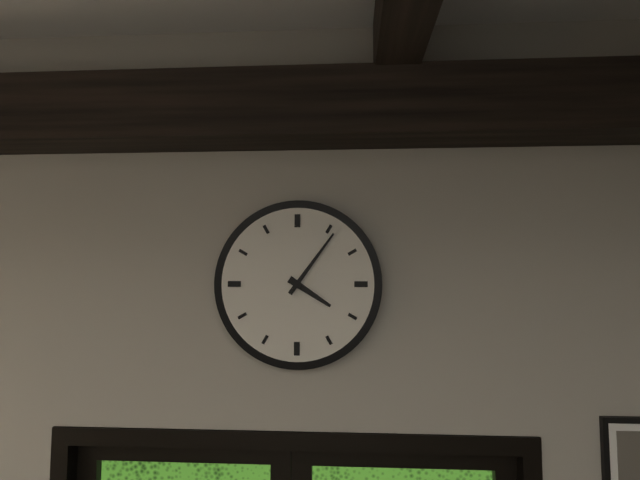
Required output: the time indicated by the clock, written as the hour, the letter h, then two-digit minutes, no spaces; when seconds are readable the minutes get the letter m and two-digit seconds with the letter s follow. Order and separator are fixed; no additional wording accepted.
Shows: 4h06
